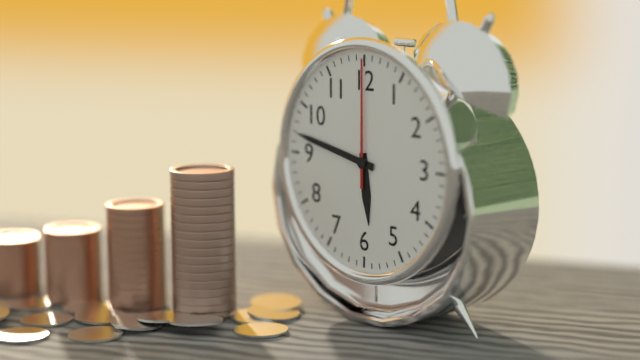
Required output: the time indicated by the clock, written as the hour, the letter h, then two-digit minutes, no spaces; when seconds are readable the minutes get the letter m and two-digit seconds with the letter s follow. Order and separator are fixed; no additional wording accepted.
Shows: 5h47m00s
